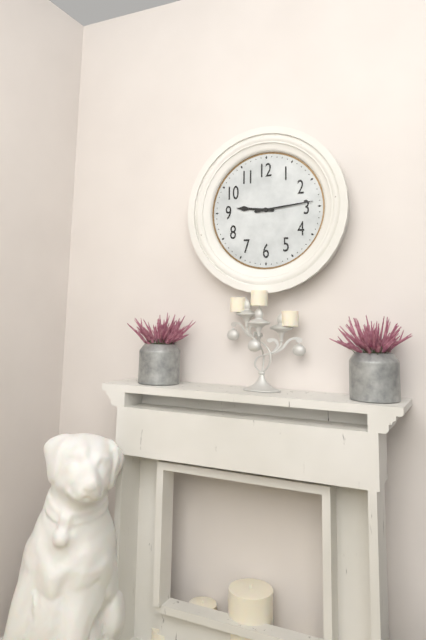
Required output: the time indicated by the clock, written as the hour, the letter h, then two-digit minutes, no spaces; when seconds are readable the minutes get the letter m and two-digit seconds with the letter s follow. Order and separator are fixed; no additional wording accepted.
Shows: 9h14
